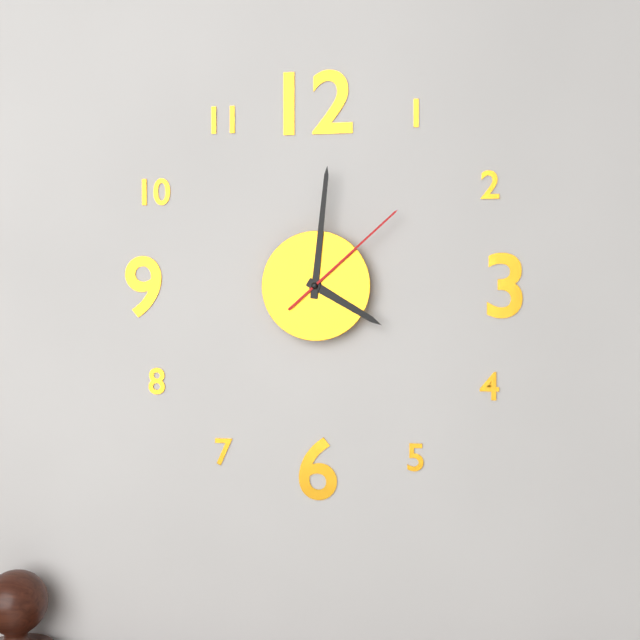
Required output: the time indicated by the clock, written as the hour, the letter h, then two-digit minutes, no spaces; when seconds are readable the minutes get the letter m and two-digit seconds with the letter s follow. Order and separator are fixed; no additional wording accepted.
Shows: 4h01m08s
